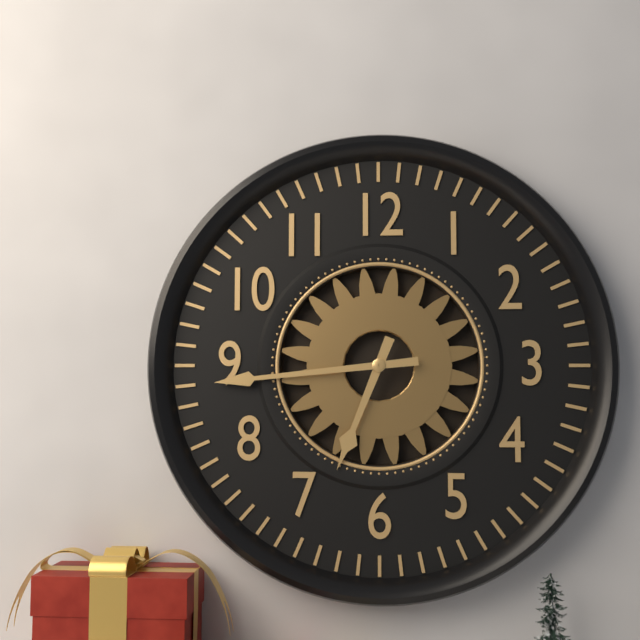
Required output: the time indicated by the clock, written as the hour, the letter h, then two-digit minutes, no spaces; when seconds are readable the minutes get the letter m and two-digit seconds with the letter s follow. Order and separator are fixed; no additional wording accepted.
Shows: 6h44
